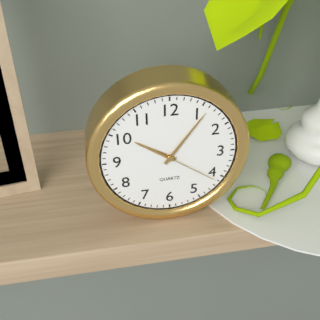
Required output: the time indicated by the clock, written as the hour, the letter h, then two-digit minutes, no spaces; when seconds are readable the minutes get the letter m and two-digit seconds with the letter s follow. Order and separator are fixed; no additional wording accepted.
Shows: 10h06m21s
